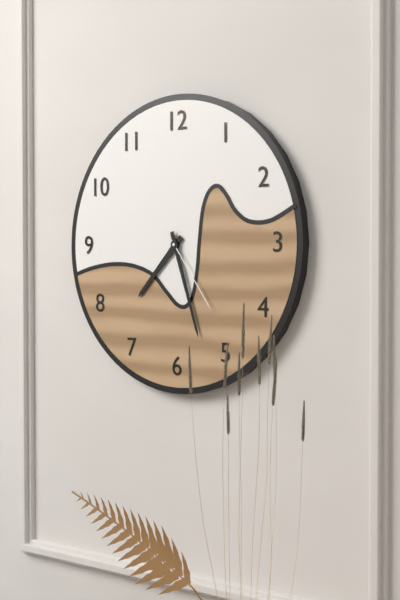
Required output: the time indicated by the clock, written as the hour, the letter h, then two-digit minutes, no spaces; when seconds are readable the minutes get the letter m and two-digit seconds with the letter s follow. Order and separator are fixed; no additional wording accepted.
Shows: 7h27m24s
